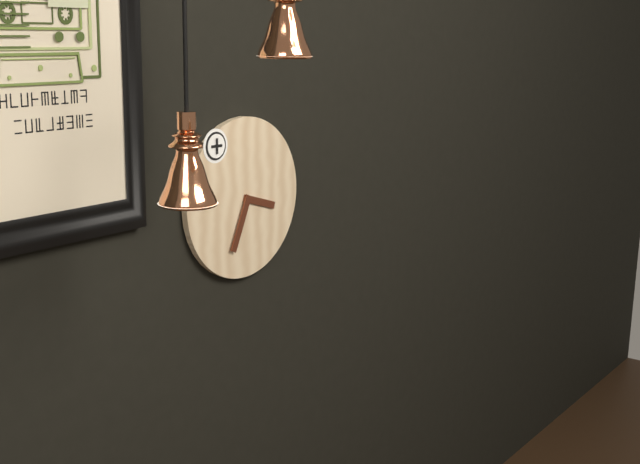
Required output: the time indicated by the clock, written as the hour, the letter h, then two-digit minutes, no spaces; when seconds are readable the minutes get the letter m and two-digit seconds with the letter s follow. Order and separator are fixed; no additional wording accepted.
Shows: 3h34
